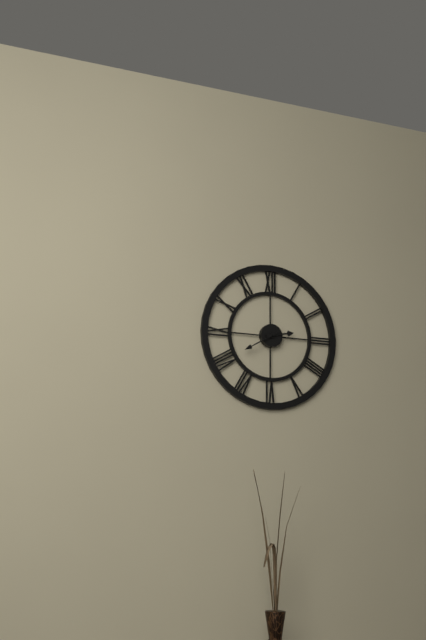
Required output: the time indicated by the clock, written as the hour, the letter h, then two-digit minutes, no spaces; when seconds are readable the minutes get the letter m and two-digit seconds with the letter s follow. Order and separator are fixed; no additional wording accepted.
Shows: 2h40
